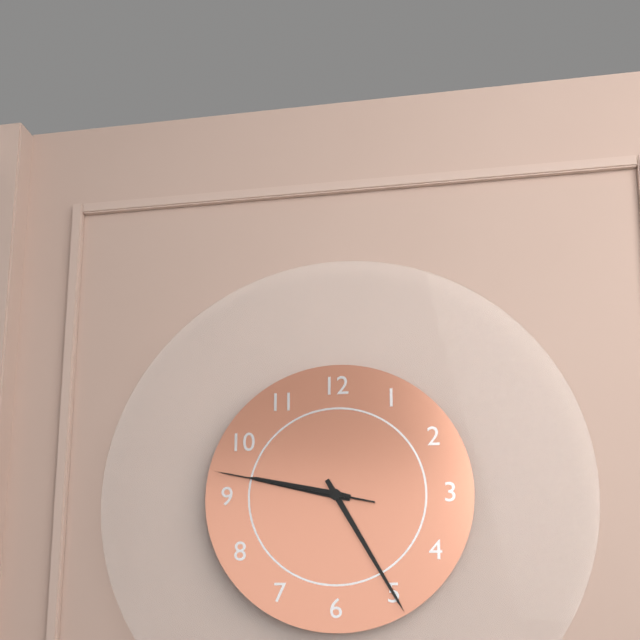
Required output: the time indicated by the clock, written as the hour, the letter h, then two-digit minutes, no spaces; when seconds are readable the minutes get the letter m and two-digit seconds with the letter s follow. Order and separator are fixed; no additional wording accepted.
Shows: 9h25m47s
